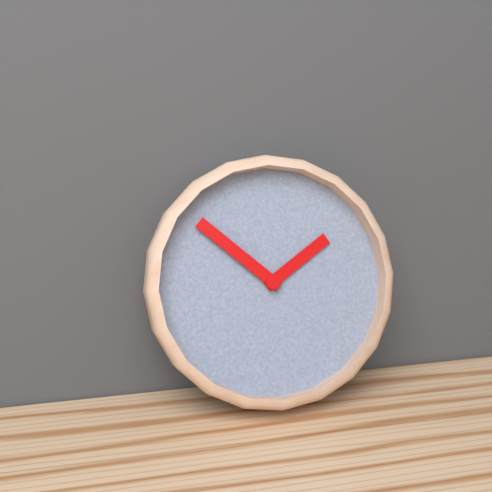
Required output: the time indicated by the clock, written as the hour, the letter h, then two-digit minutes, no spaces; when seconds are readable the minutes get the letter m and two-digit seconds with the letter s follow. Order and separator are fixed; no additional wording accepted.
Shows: 1h52
